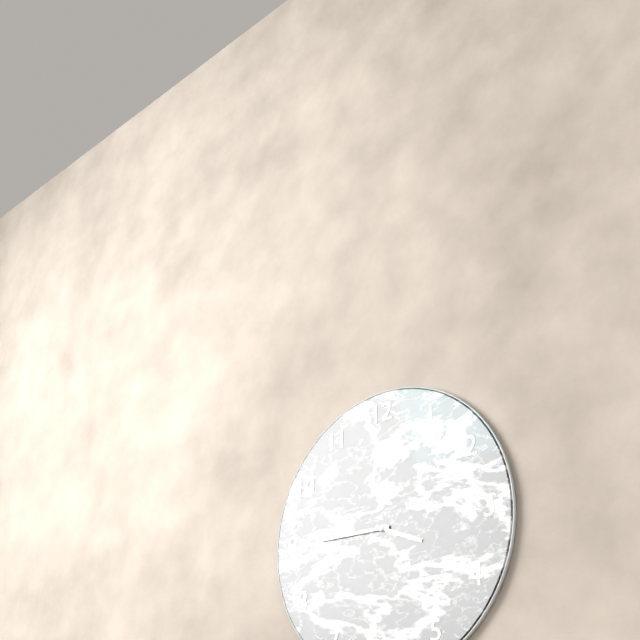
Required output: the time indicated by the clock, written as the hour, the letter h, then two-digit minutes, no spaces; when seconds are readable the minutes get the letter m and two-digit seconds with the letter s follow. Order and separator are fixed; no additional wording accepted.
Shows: 3h45
